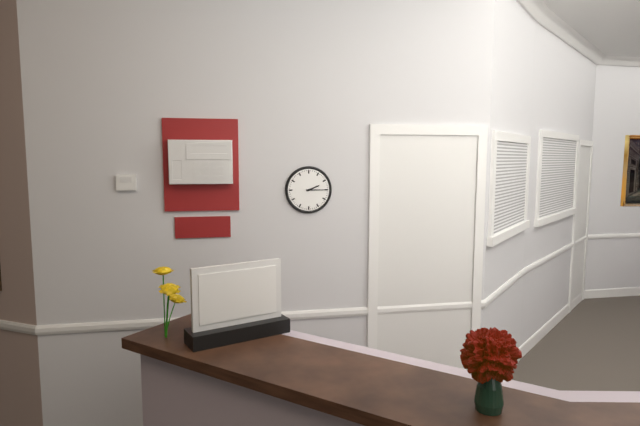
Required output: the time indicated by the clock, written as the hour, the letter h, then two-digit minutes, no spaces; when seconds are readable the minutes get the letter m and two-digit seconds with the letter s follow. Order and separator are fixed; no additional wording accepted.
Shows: 2h15
